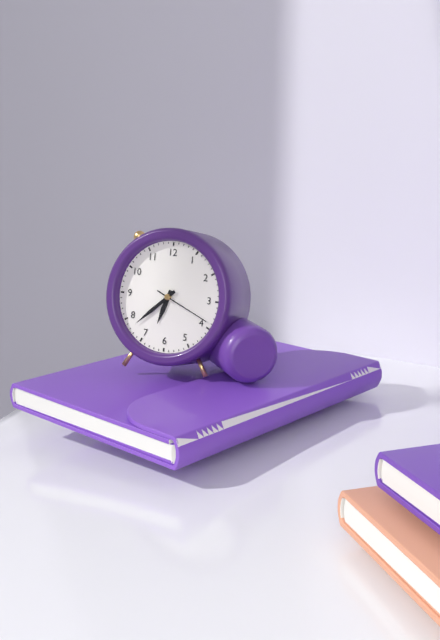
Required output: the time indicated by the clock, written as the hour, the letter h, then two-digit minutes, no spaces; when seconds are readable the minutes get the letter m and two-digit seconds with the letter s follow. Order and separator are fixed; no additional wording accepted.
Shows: 6h38m19s
